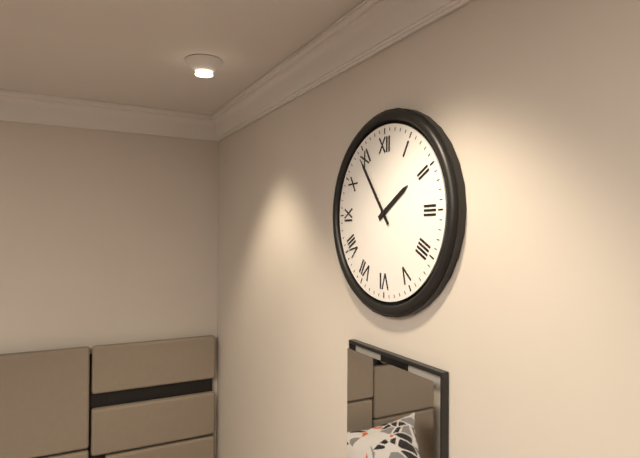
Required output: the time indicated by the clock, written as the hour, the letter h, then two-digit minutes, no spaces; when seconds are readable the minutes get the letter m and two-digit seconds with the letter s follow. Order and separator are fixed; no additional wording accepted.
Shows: 1h54
